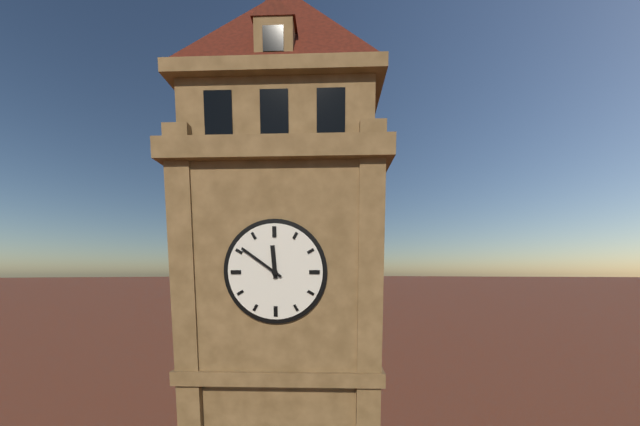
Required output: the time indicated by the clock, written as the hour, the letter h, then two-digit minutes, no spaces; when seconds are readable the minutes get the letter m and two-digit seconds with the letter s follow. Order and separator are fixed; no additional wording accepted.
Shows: 11h51
